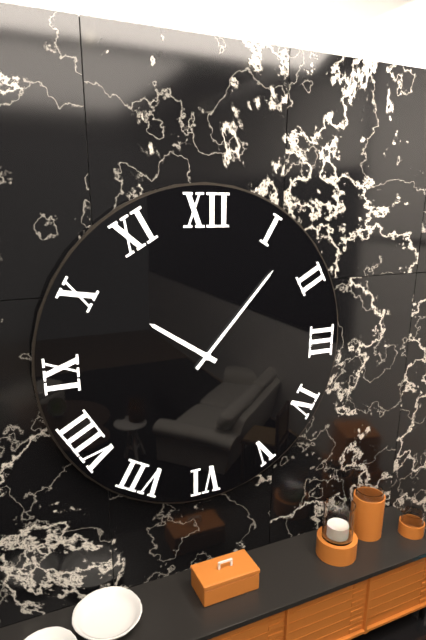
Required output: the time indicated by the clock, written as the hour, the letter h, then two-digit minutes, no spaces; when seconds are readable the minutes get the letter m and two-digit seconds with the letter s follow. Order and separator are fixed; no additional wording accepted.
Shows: 10h07
